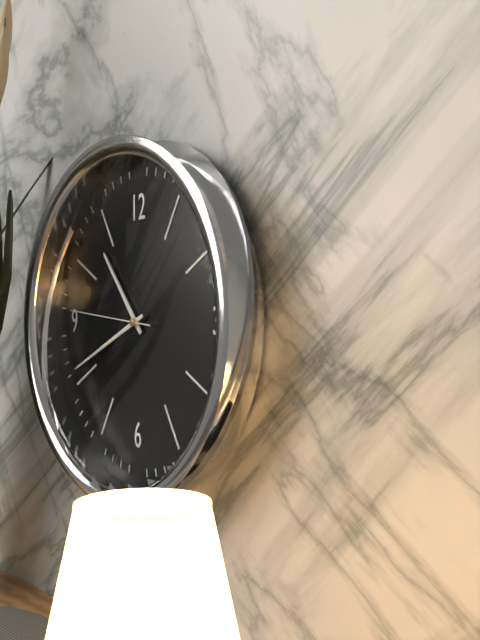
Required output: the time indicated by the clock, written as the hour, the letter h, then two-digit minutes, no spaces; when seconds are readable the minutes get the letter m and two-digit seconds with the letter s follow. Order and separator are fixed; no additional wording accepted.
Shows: 10h41m46s
